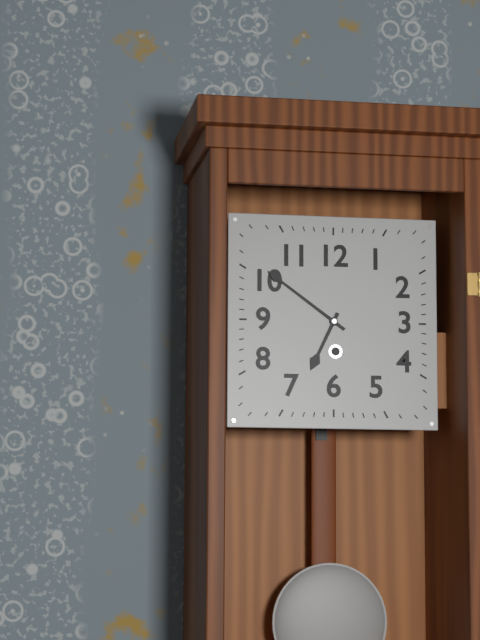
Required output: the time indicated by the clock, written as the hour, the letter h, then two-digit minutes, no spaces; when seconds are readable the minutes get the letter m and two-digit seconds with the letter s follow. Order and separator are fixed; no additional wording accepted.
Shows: 6h51
